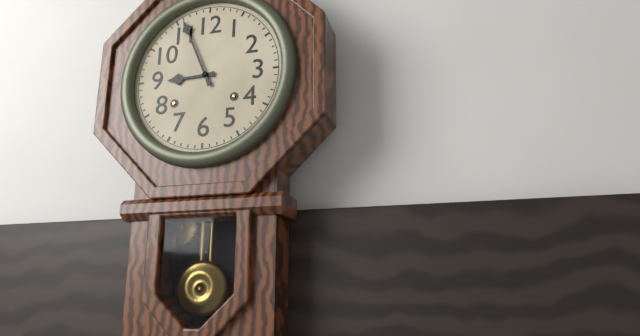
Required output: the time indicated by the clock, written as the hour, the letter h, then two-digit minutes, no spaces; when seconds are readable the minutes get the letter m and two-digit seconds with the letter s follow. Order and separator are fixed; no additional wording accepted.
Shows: 8h56
